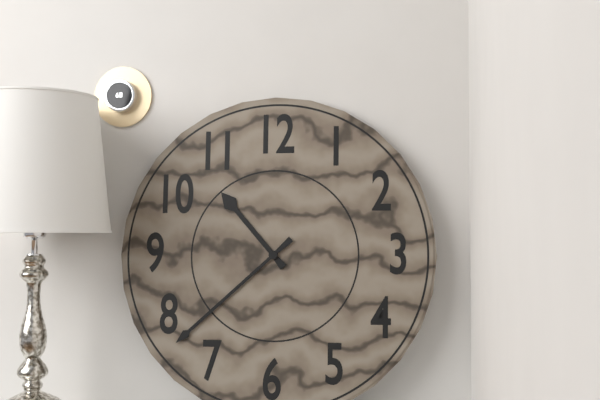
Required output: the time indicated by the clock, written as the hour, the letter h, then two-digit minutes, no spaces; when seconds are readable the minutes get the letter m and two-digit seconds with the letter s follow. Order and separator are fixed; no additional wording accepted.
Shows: 10h38
